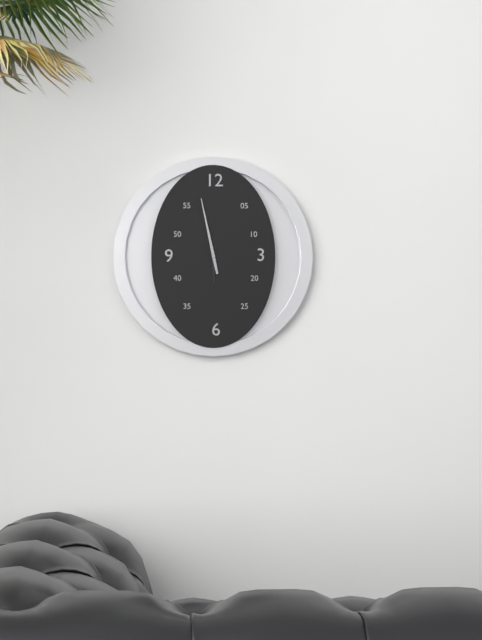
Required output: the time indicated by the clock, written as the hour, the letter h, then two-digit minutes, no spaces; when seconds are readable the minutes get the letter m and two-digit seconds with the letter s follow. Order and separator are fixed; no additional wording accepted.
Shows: 5h58
